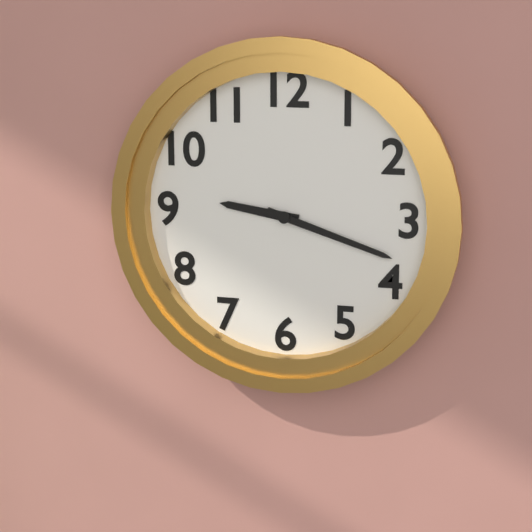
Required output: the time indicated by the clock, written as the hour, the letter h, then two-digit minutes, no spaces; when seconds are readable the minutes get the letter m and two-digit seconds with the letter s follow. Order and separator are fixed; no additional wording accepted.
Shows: 9h18
